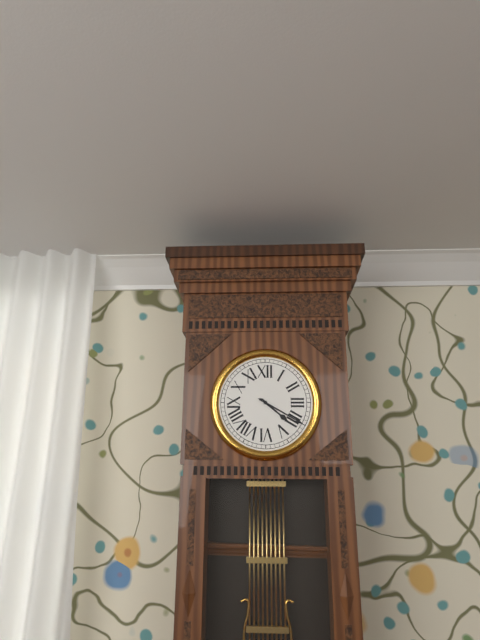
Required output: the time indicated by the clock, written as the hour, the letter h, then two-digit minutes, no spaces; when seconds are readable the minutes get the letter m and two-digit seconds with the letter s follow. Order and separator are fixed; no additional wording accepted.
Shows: 4h20
